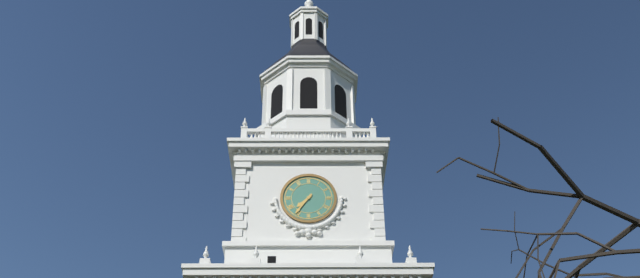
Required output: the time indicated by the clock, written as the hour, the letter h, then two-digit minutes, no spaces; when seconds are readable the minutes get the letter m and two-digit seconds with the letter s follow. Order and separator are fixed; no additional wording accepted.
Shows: 7h36
